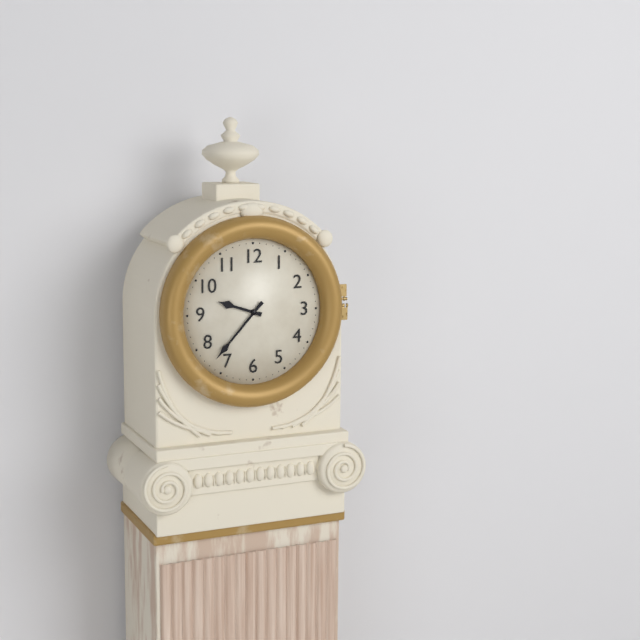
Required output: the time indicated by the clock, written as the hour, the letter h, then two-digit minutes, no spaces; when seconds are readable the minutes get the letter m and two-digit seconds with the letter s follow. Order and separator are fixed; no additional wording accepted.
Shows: 9h37
